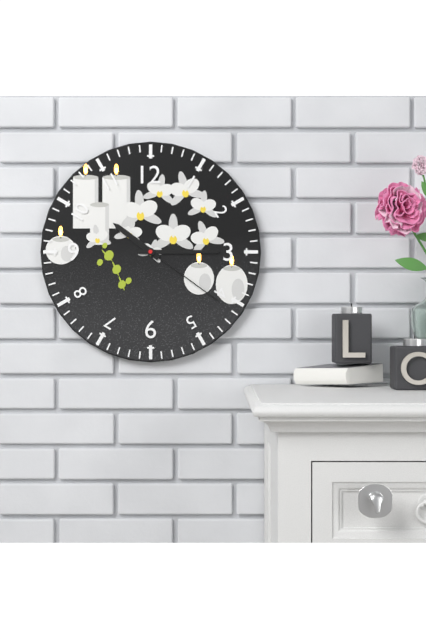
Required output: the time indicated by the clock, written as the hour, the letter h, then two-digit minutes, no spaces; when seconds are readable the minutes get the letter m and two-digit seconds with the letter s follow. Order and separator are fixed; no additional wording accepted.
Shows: 10h15m21s
